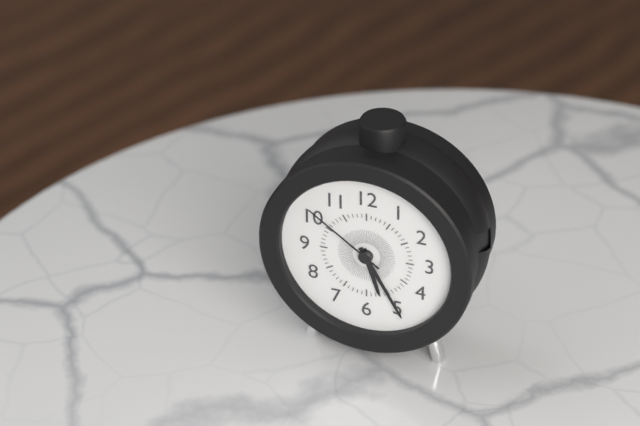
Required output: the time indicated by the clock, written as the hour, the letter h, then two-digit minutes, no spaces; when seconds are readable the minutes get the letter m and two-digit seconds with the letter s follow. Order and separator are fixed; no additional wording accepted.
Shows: 5h25m51s
